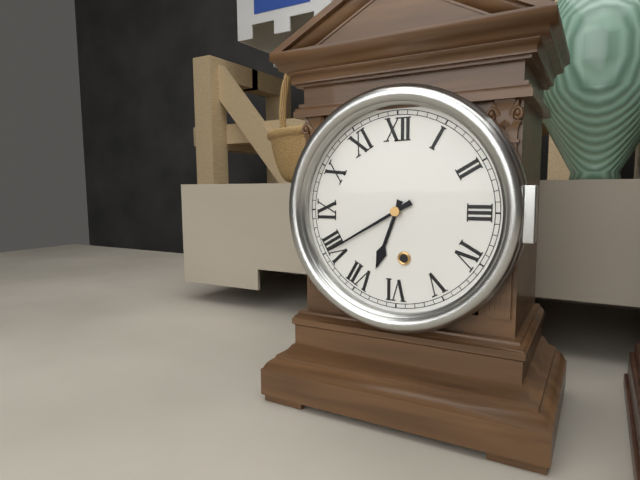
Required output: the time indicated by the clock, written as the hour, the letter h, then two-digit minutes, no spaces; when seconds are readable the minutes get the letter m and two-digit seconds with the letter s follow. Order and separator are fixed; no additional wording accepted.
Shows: 6h40
